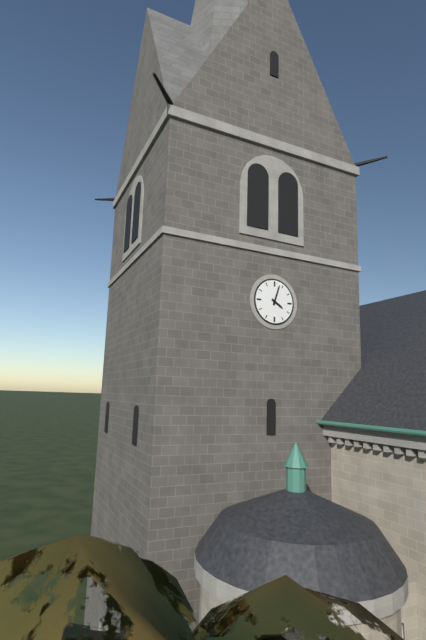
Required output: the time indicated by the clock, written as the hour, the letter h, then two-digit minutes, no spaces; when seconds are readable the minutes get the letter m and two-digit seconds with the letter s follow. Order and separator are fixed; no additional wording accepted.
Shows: 4h03
